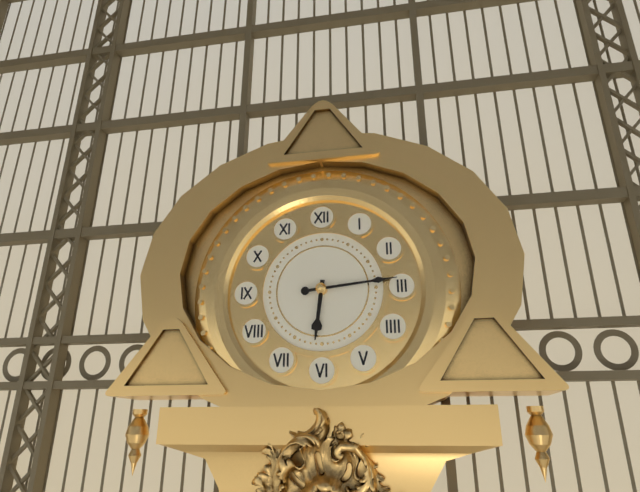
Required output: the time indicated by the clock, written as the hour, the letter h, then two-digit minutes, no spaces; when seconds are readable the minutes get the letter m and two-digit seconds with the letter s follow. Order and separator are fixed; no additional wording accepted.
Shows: 6h14
